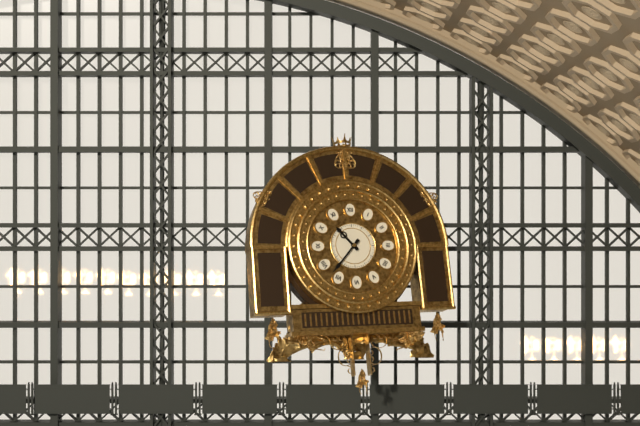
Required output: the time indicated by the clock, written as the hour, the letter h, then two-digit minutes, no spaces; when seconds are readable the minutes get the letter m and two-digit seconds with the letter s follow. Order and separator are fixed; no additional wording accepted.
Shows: 10h37
